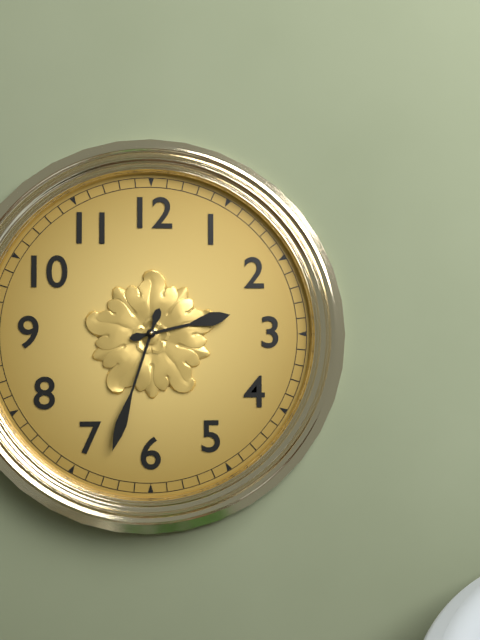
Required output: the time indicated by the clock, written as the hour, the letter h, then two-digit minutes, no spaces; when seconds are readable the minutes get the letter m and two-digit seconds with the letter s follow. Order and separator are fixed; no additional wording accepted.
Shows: 2h33
